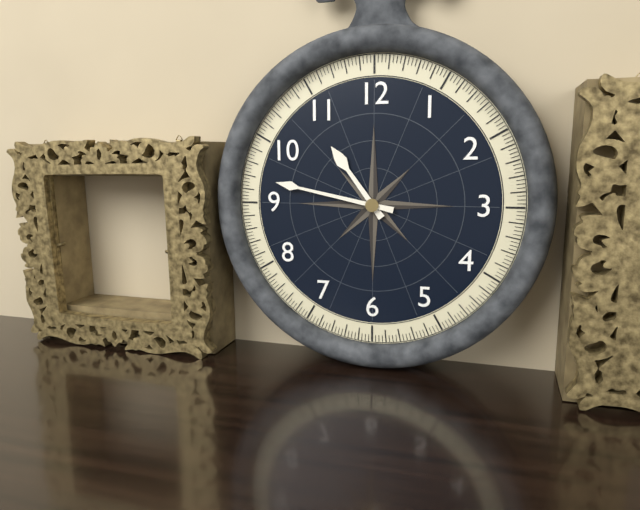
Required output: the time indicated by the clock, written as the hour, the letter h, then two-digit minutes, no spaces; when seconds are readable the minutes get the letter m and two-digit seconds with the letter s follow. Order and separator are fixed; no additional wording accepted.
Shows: 10h47
